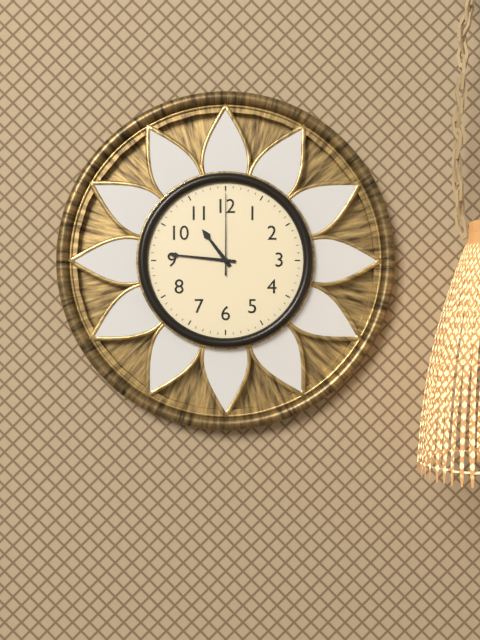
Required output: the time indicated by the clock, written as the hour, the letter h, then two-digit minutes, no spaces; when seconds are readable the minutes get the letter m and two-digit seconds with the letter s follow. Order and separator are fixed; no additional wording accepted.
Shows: 10h46m00s
